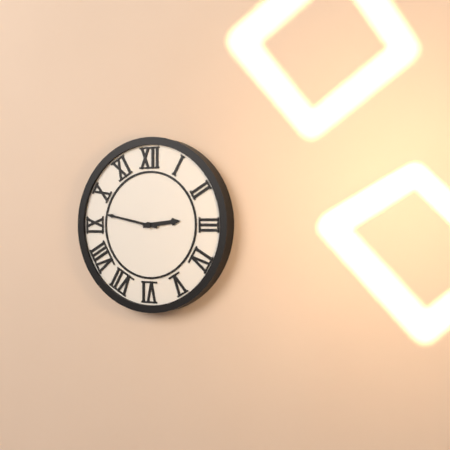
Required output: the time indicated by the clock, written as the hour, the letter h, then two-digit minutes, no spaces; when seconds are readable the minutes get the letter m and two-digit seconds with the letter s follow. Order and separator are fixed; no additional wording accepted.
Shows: 2h47
